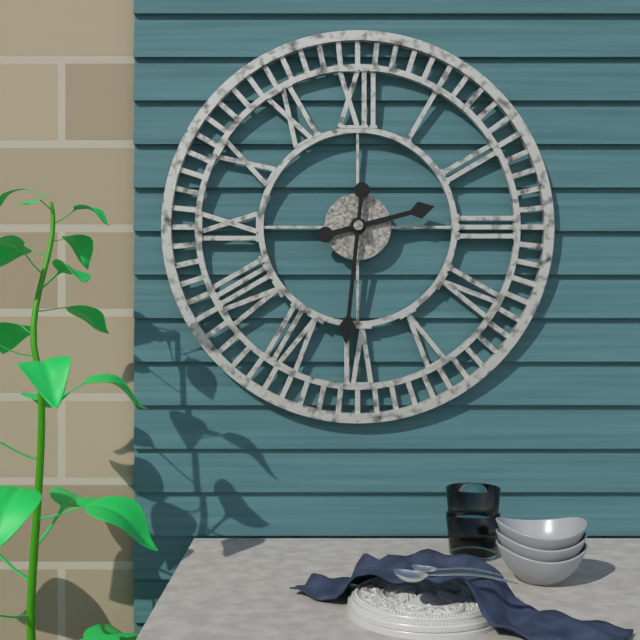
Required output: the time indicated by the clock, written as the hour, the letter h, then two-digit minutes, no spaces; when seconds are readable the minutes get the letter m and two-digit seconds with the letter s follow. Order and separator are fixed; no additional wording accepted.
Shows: 2h31
